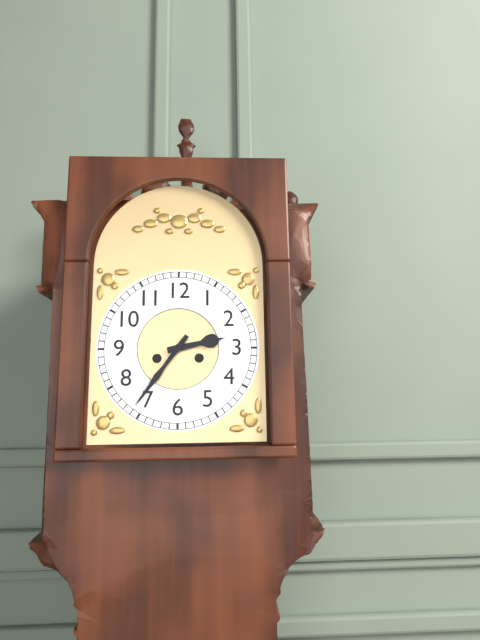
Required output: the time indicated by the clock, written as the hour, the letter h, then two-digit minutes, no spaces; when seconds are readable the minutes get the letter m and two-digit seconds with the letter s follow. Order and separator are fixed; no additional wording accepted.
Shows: 2h36
